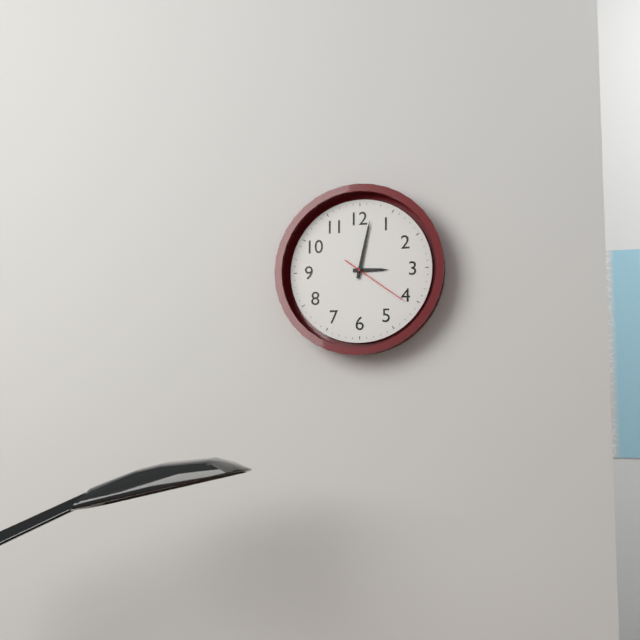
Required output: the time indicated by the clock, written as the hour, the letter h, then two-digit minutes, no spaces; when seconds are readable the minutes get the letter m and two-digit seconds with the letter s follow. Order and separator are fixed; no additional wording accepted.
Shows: 3h02m21s
